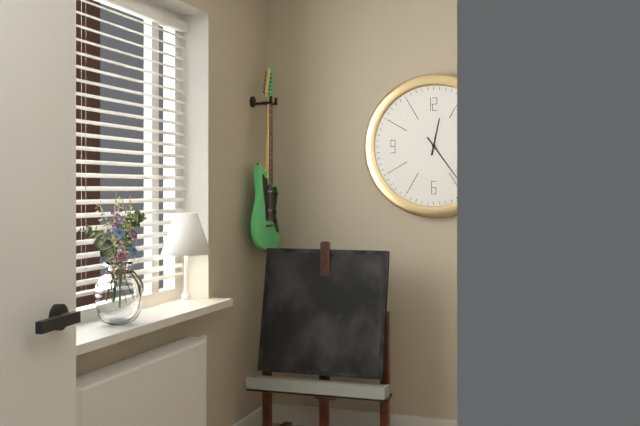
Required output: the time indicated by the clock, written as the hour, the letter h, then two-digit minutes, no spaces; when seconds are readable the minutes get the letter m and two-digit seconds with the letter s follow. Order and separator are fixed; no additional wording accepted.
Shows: 12h24
